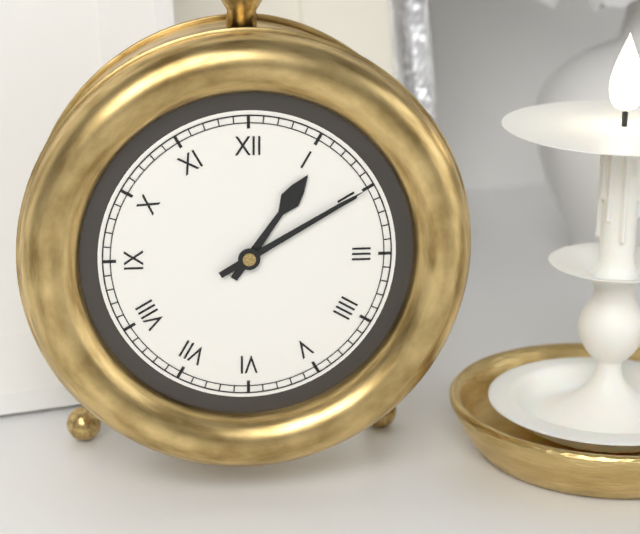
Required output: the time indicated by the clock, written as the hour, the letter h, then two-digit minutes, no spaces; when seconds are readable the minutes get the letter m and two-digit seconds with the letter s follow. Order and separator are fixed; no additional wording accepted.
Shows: 1h10
